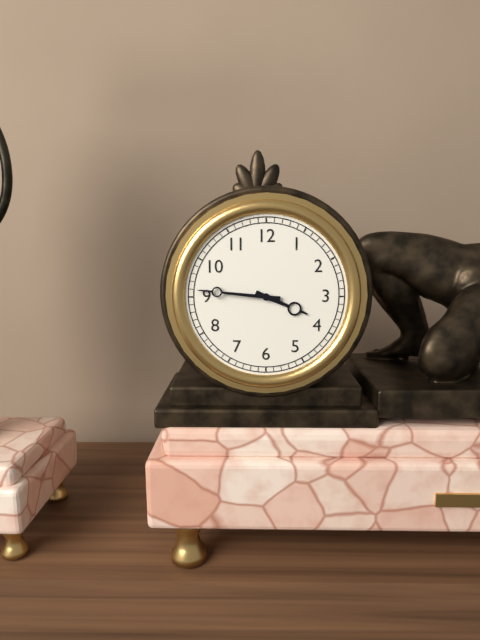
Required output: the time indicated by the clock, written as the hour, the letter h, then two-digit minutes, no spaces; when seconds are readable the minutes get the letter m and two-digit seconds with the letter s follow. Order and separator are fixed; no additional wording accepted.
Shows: 3h46
